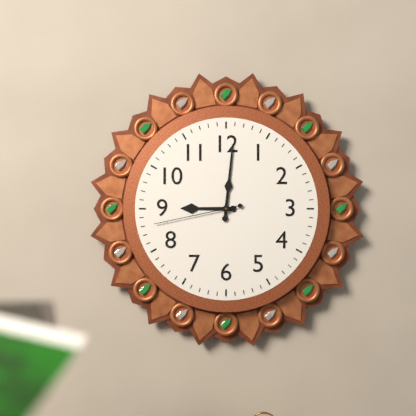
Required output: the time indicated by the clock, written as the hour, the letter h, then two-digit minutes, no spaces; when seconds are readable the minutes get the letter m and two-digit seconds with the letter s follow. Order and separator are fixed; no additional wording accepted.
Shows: 9h01m43s
